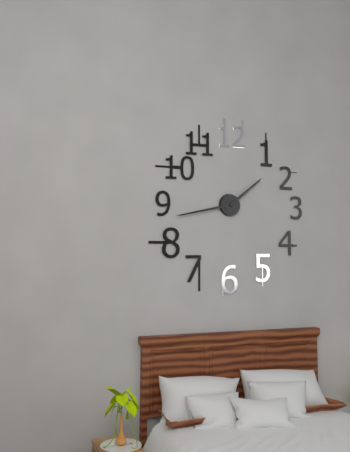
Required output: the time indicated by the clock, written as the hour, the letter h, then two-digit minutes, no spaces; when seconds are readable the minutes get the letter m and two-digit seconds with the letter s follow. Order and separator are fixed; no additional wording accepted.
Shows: 1h43
